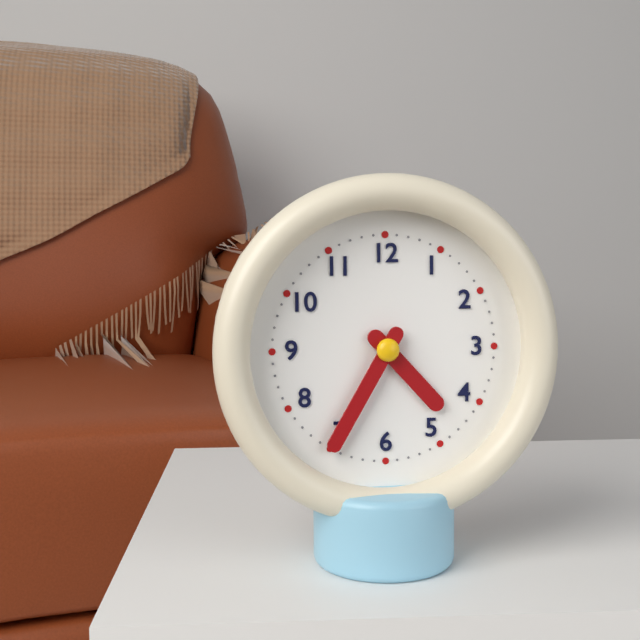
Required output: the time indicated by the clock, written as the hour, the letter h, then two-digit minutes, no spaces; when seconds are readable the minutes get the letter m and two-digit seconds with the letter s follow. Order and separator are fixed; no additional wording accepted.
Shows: 4h35
